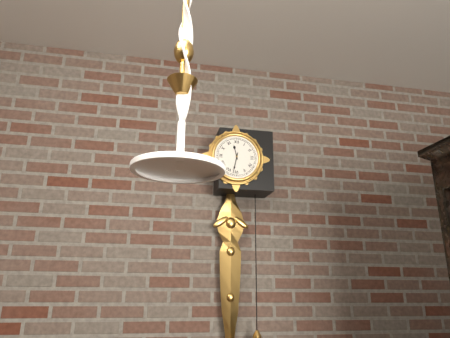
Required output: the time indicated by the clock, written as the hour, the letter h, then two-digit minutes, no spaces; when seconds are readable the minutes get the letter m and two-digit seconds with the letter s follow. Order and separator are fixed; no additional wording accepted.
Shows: 11h32
